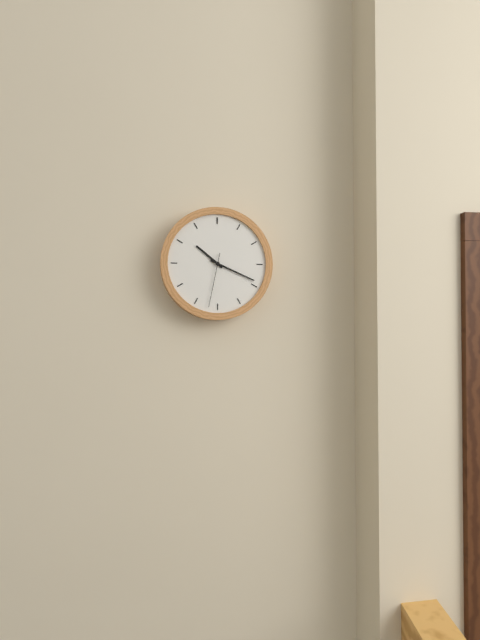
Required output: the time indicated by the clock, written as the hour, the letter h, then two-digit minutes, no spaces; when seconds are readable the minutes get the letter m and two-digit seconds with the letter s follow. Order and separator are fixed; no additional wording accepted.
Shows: 10h19m32s
